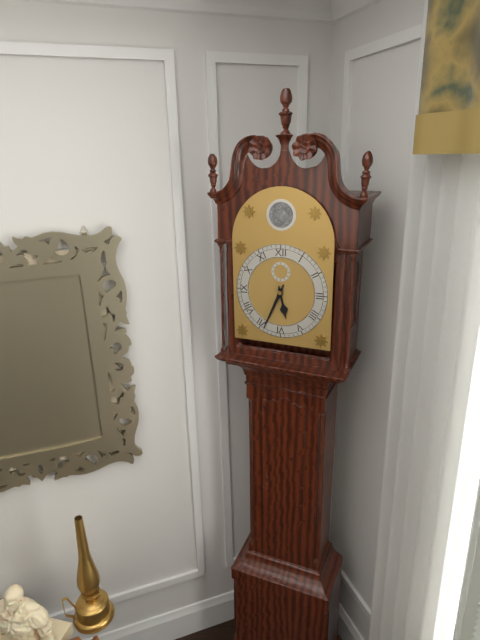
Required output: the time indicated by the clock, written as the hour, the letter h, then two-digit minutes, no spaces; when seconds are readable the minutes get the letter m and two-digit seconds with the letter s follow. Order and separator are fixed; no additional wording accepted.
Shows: 5h34
